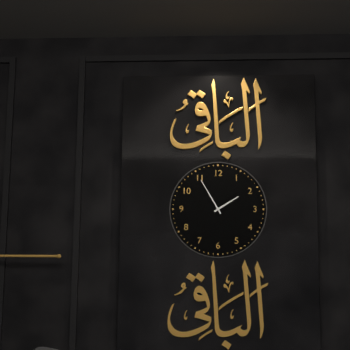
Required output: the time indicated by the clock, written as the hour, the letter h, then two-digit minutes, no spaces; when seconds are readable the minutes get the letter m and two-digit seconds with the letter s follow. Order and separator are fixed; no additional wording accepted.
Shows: 1h55
